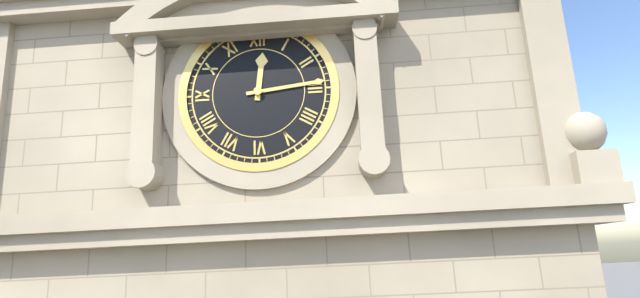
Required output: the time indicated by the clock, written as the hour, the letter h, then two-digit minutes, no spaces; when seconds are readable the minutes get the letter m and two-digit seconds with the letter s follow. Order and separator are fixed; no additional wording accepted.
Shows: 12h14
